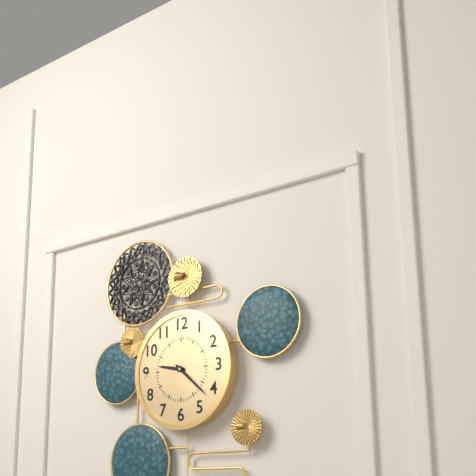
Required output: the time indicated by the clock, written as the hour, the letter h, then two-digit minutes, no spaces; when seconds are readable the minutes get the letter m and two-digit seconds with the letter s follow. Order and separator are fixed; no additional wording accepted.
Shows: 9h22
